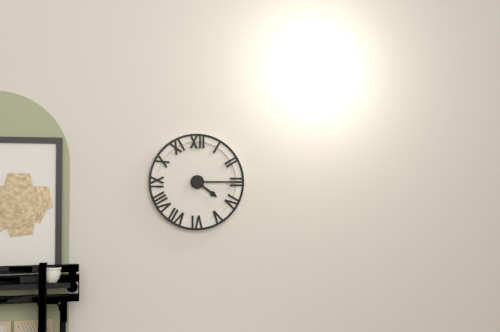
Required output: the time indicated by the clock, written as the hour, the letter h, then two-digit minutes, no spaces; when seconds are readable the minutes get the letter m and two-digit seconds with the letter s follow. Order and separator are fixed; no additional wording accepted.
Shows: 4h15
